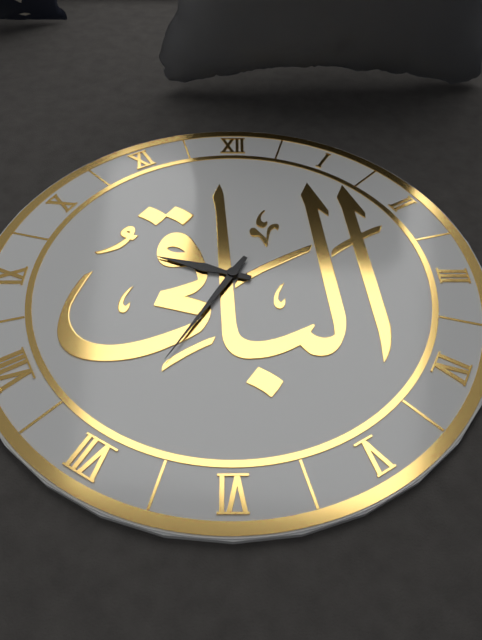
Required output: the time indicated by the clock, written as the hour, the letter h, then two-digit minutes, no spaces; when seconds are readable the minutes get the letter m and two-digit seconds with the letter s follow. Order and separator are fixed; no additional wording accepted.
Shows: 9h35
